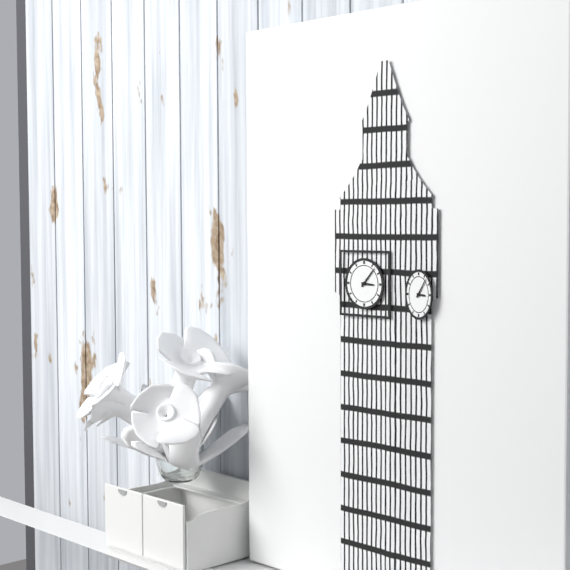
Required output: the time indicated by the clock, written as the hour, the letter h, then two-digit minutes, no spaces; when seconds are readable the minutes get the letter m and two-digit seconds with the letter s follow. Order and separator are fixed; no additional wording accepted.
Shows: 3h07
